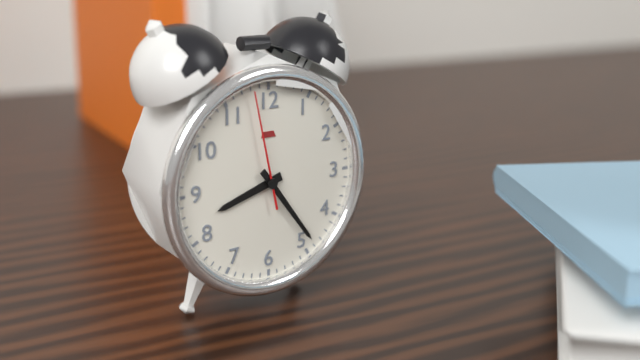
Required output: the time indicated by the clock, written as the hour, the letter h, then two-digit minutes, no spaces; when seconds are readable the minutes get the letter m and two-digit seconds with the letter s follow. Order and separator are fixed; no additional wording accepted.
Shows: 8h24m58s
